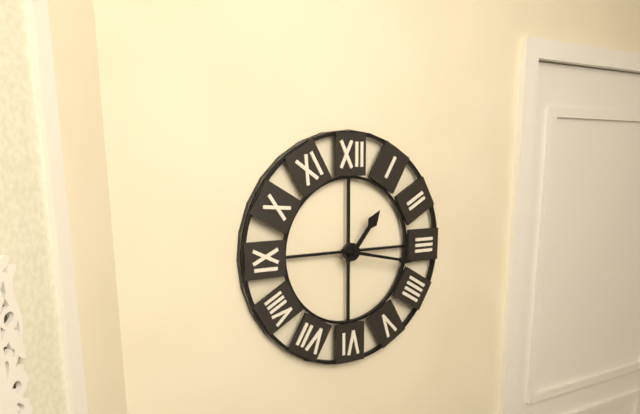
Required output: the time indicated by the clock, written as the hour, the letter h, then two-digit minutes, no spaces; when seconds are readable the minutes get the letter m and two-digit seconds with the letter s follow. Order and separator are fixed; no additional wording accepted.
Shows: 1h17
